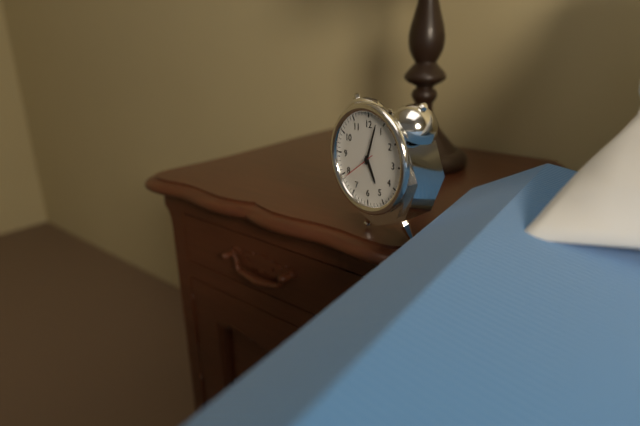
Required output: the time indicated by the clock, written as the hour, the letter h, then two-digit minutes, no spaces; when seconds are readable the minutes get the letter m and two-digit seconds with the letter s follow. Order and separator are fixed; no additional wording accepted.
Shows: 5h03
